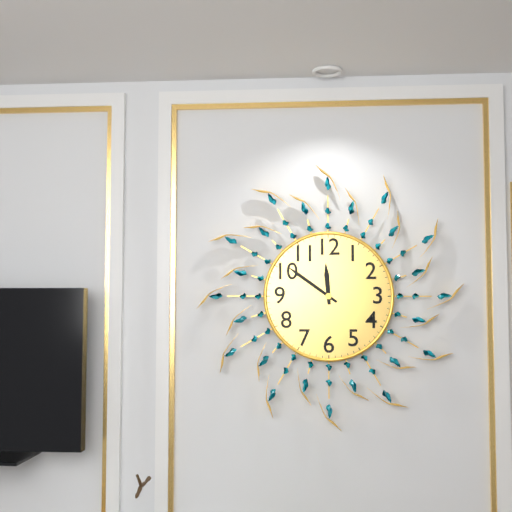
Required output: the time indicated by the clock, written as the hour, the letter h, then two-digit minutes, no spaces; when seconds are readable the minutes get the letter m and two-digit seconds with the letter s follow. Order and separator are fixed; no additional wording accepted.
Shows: 11h51
